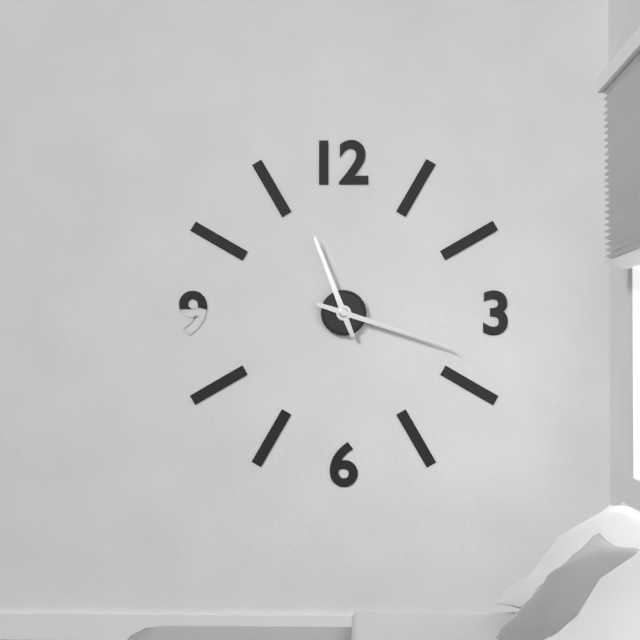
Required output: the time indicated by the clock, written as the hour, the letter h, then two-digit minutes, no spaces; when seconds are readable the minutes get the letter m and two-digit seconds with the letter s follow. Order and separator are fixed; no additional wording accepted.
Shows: 11h18
